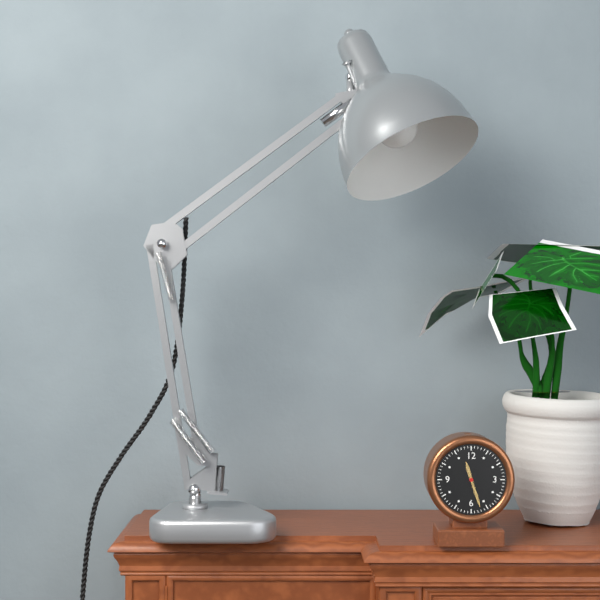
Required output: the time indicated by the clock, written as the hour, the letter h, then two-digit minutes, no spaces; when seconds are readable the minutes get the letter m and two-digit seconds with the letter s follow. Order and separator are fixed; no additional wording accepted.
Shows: 11h27
